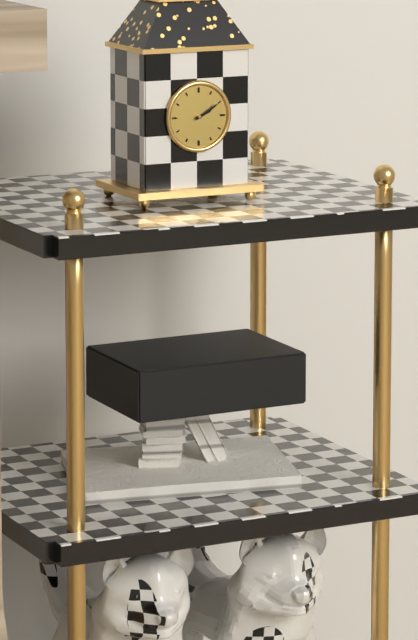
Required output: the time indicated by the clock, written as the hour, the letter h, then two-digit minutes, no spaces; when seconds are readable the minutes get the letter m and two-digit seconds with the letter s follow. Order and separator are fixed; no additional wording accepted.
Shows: 2h10
